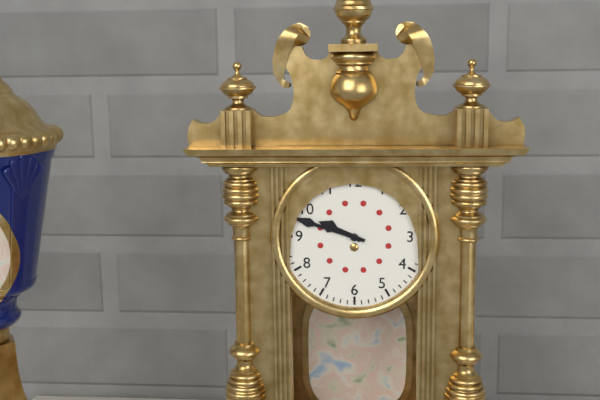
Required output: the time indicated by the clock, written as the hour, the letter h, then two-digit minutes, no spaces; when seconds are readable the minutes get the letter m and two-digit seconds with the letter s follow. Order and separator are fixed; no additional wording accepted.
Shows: 9h48
